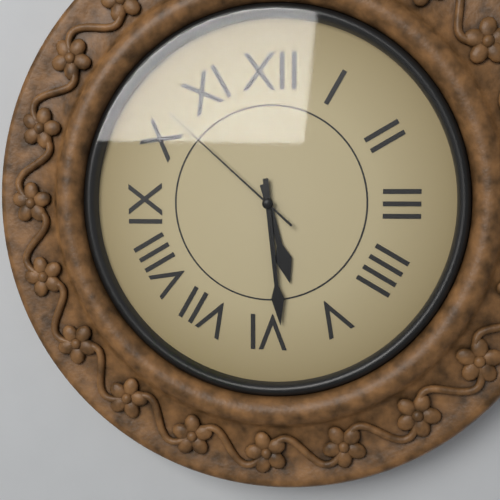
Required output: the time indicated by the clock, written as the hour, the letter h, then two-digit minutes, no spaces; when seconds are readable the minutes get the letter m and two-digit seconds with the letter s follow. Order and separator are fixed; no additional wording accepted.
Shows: 5h29m52s
